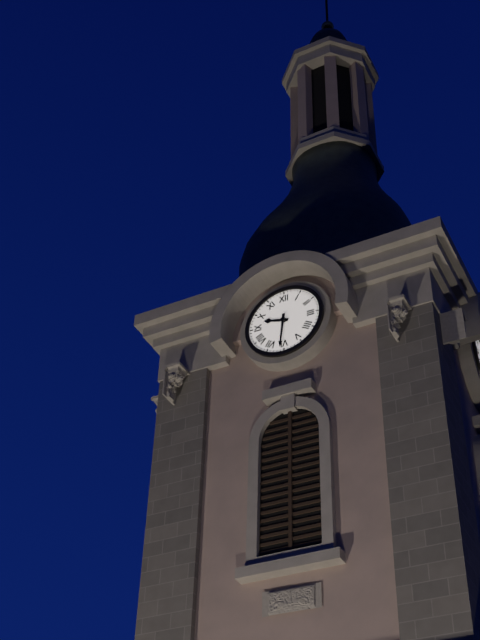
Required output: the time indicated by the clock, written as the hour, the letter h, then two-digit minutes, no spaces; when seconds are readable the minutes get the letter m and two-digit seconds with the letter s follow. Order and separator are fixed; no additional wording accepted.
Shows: 9h31
